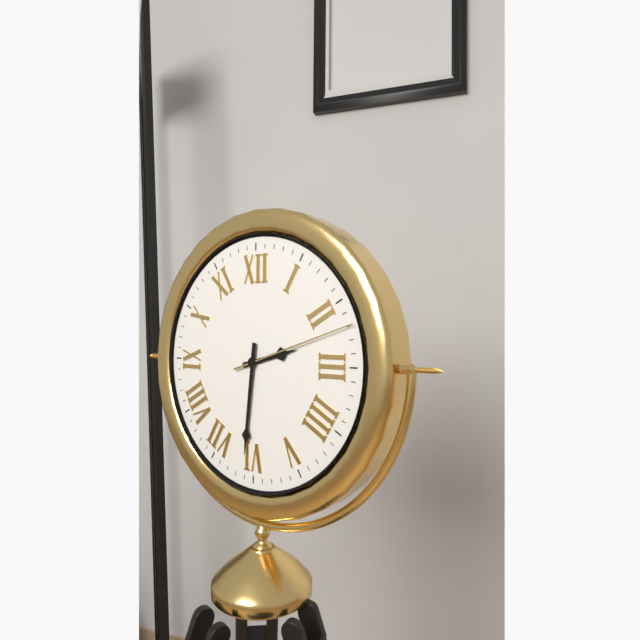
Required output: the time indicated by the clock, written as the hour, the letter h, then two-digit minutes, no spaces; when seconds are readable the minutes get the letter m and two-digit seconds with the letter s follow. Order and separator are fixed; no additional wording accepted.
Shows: 2h31m12s
